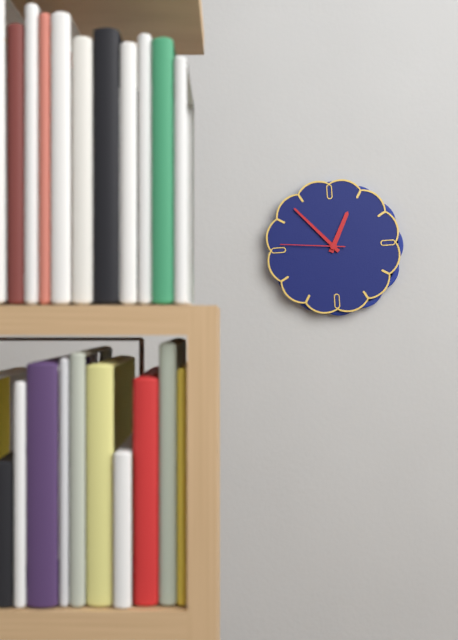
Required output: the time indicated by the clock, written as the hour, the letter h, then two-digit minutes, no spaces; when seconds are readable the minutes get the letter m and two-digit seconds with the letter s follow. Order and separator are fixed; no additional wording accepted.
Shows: 12h53m46s
